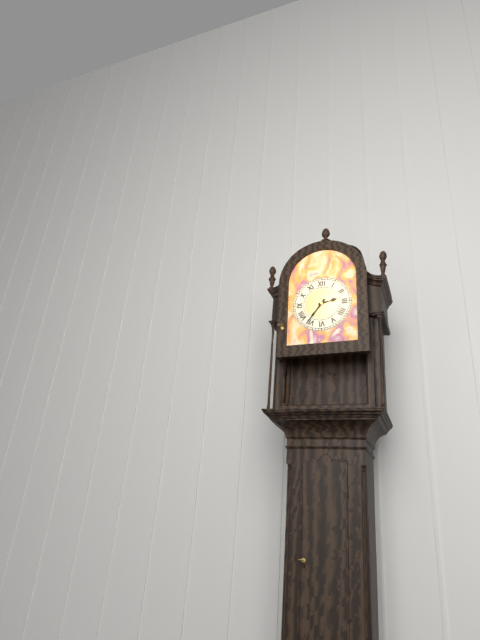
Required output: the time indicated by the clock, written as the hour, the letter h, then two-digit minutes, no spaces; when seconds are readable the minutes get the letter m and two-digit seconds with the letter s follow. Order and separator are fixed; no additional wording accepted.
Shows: 2h36
